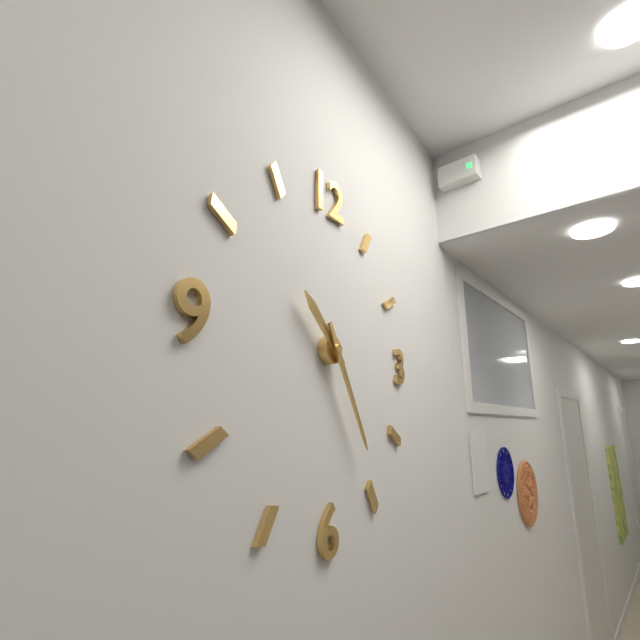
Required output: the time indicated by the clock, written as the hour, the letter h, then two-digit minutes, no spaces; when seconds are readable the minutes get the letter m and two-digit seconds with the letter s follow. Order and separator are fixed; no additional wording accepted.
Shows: 10h25
